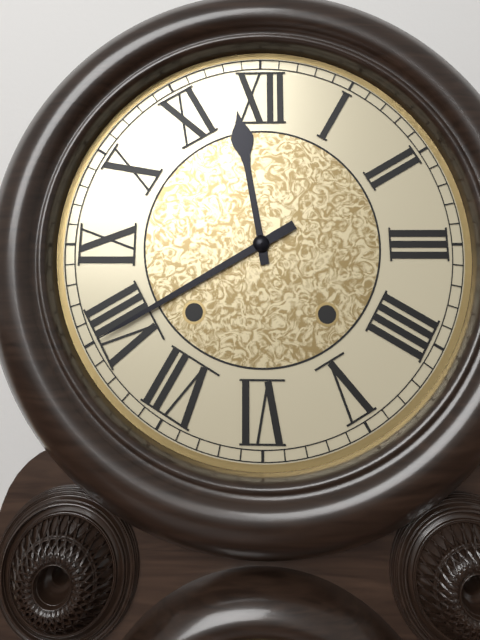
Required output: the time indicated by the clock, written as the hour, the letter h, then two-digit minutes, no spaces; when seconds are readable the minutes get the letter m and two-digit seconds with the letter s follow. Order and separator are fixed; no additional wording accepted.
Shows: 11h40
